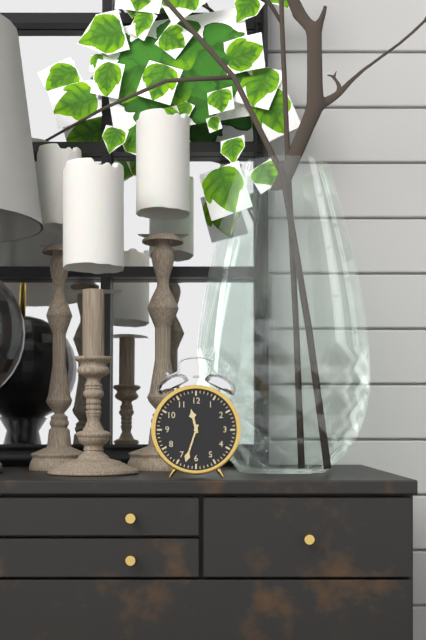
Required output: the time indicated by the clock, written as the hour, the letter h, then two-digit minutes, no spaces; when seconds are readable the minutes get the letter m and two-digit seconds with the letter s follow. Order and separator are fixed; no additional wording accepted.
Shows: 11h33
